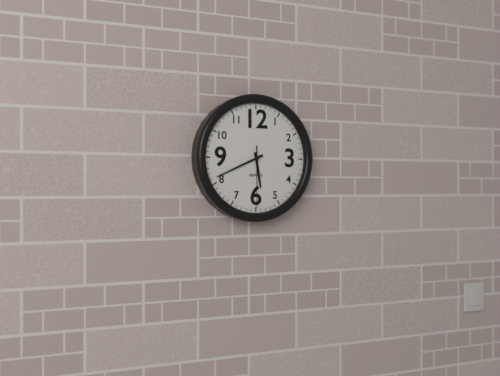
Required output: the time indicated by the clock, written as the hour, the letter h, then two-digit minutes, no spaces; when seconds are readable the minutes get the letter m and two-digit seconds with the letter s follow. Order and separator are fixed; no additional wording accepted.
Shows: 5h41m30s
